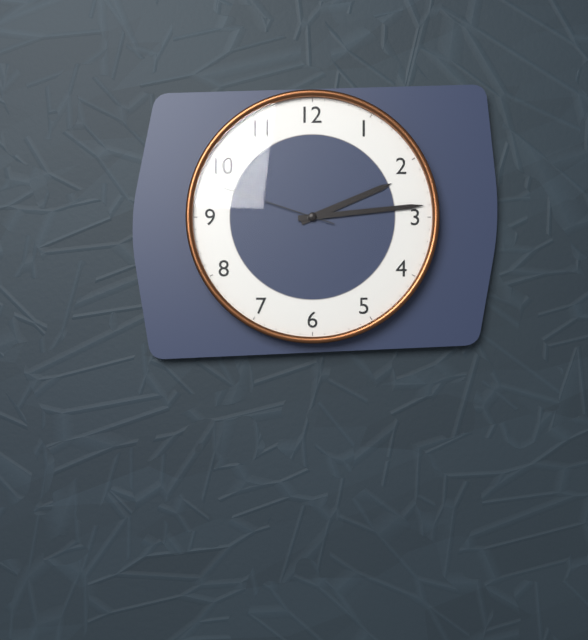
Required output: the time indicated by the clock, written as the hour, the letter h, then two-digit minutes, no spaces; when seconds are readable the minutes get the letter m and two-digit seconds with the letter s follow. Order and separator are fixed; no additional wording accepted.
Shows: 2h14m48s
